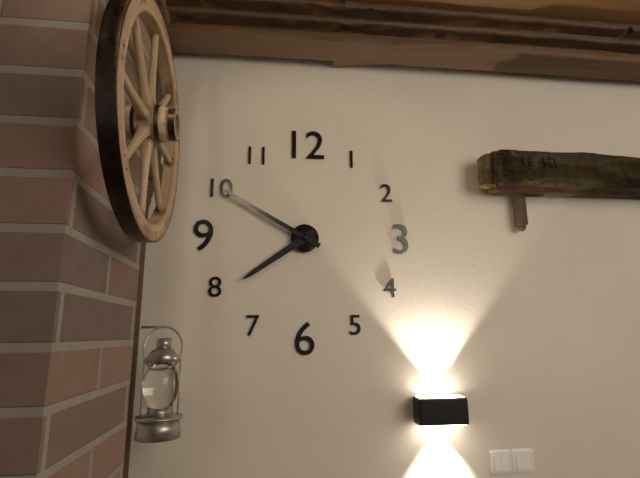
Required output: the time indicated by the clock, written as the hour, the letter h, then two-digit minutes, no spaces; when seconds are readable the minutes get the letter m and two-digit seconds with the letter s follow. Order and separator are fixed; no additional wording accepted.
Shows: 7h50
